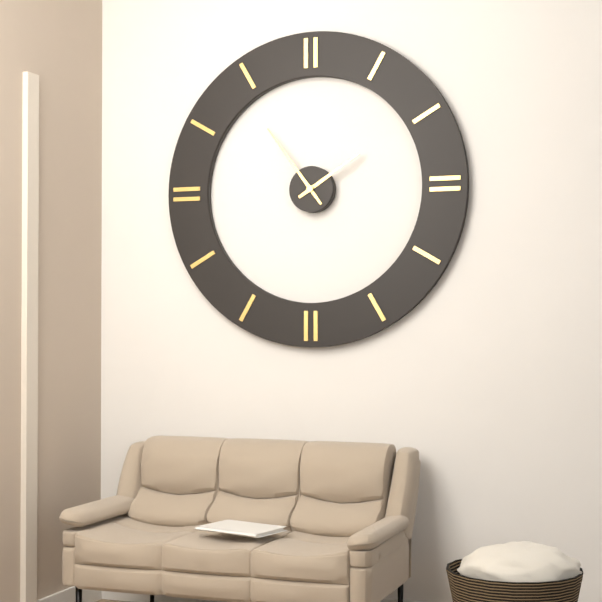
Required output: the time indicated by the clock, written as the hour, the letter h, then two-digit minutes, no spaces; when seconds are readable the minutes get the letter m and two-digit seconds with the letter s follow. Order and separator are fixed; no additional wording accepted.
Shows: 1h54
